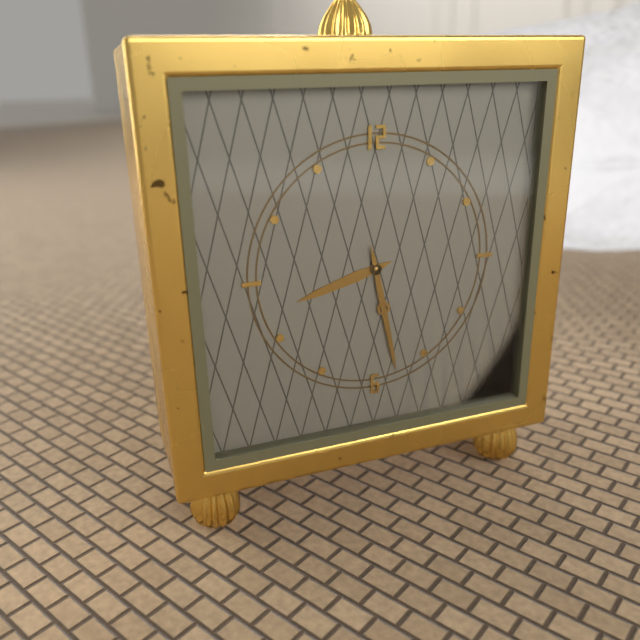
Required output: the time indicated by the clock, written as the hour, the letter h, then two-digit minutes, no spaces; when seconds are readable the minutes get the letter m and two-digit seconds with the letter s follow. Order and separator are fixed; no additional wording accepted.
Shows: 8h28
